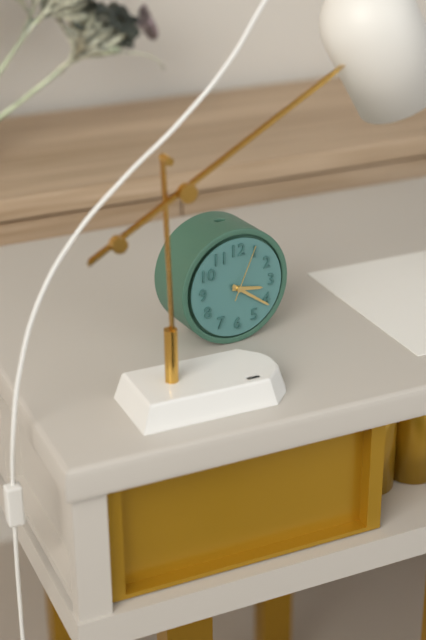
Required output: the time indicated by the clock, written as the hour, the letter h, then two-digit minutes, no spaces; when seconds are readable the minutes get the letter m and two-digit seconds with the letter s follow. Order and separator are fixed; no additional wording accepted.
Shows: 3h21m04s
